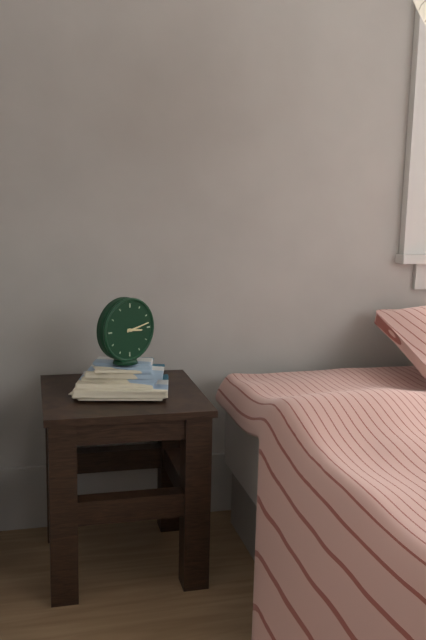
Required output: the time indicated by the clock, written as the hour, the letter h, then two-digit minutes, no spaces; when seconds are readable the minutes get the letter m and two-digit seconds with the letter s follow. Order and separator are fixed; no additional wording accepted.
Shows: 3h13
